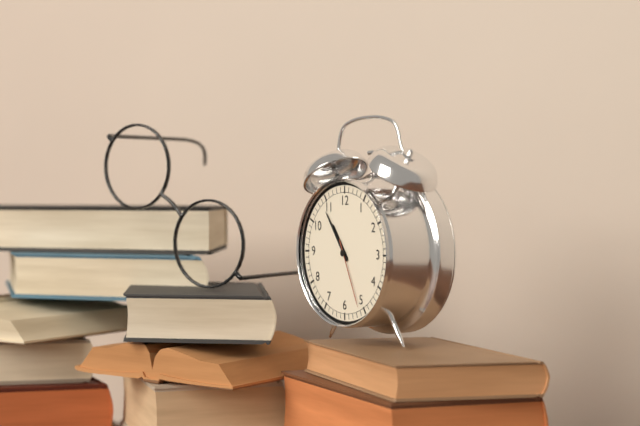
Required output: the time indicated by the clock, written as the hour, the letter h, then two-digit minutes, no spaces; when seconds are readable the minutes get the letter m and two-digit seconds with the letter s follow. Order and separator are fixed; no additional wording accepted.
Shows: 10h54m26s
